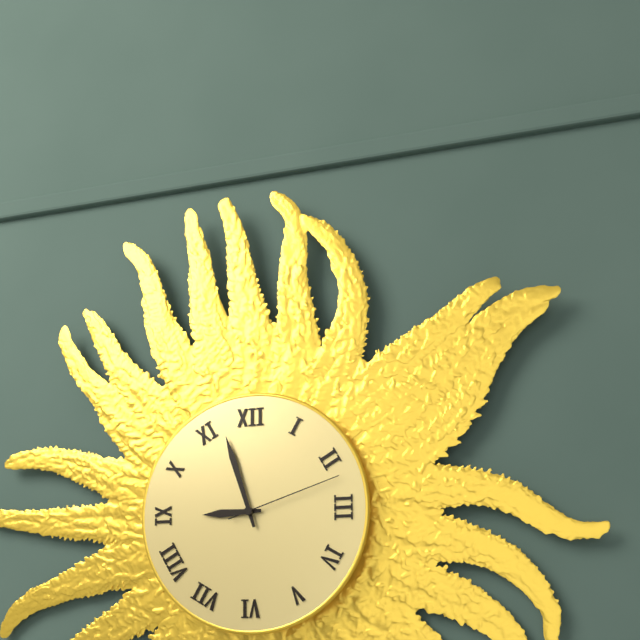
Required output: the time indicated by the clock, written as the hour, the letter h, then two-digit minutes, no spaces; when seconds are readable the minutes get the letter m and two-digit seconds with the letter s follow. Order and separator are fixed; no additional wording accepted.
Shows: 8h57m12s
